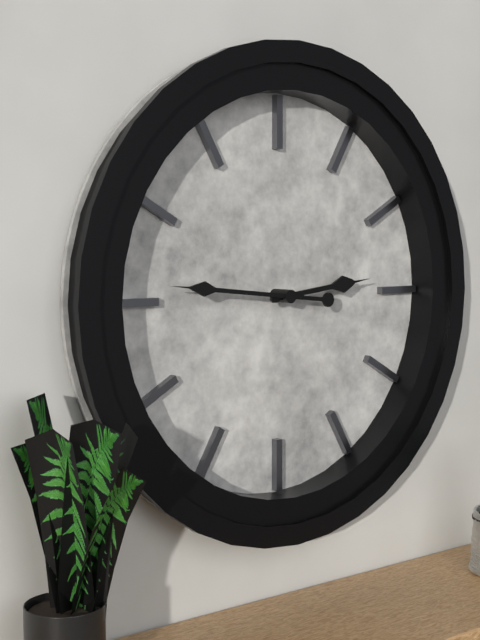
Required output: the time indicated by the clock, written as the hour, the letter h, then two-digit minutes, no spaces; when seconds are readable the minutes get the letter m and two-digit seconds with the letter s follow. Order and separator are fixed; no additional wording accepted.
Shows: 2h46
